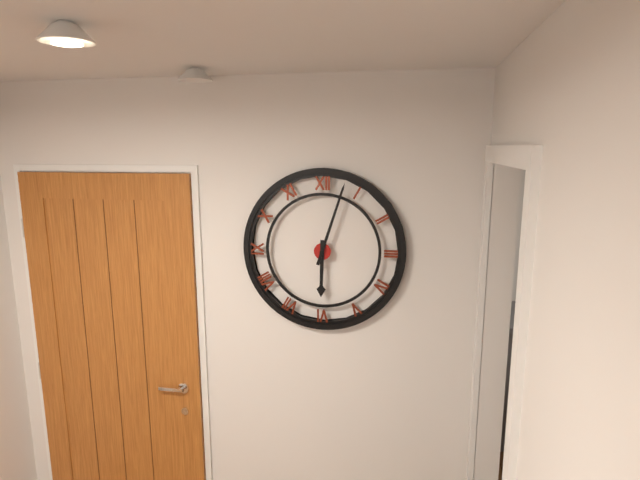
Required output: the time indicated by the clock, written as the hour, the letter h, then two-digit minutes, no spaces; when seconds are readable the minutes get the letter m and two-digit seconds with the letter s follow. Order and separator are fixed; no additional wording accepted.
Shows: 6h03
